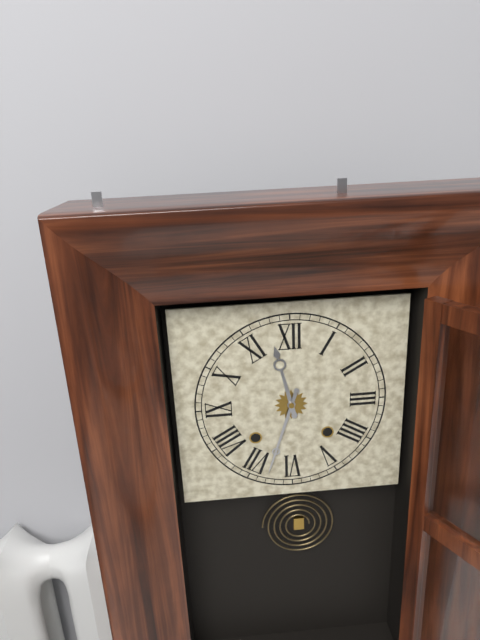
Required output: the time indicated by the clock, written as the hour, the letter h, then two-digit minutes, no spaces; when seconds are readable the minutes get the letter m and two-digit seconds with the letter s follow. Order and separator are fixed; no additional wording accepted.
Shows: 11h33
